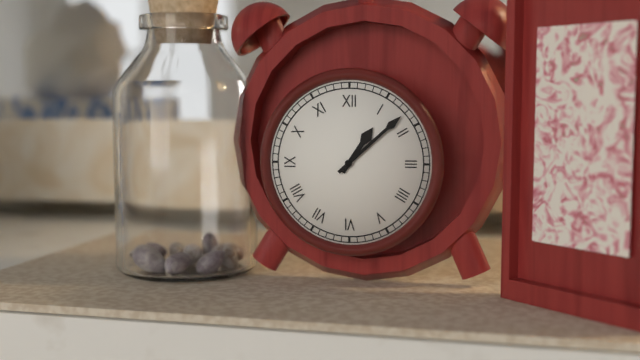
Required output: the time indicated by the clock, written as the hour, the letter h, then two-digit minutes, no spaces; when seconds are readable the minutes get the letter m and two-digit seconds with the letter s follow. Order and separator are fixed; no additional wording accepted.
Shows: 1h08
